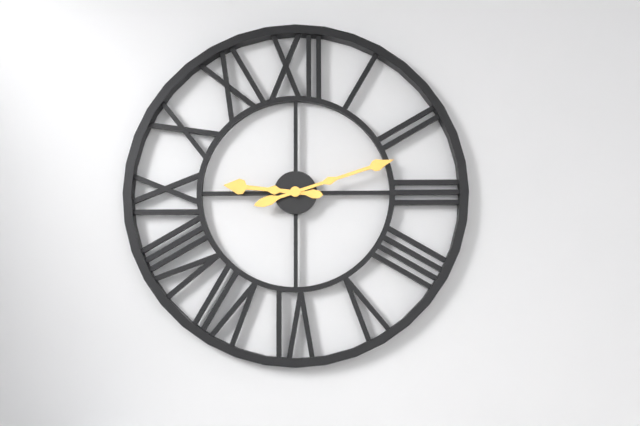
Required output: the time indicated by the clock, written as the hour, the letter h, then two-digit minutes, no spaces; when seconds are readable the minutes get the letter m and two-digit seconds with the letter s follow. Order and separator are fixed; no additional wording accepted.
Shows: 9h12
